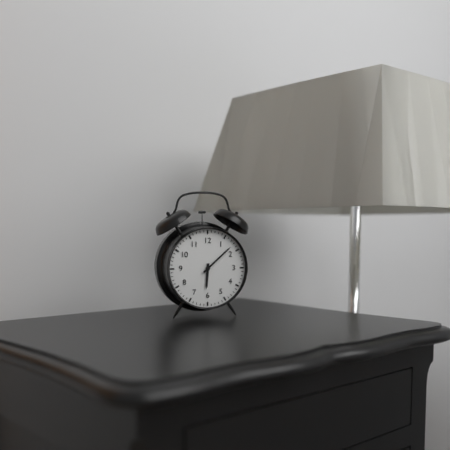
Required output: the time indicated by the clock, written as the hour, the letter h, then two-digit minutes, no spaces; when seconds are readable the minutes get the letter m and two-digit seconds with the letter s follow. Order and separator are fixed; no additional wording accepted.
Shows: 6h08
